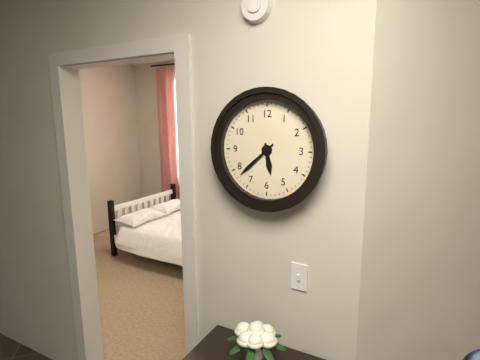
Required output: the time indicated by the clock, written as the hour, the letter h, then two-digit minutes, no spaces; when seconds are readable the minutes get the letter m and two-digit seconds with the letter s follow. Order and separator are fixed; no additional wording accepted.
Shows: 5h38
